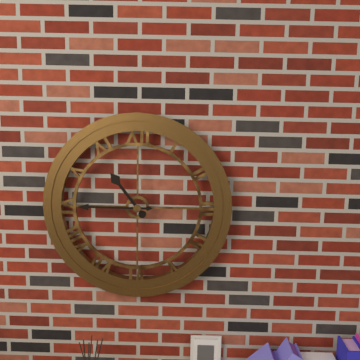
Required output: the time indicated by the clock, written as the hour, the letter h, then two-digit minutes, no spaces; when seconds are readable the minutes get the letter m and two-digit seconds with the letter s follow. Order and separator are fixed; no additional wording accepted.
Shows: 10h45
